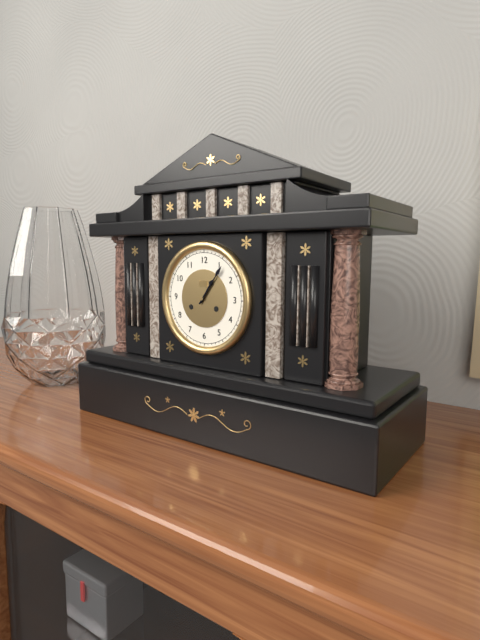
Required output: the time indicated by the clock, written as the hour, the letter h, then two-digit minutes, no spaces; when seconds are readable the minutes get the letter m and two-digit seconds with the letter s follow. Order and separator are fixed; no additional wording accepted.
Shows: 1h06
